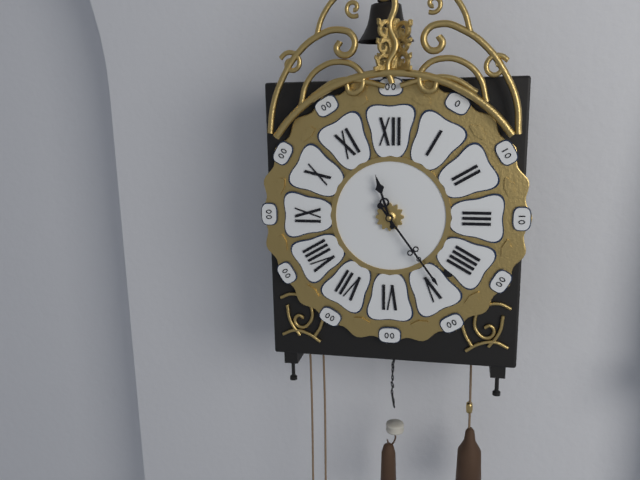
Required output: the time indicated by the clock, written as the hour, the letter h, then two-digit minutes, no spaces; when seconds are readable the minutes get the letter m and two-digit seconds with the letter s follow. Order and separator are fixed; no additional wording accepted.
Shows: 11h24
